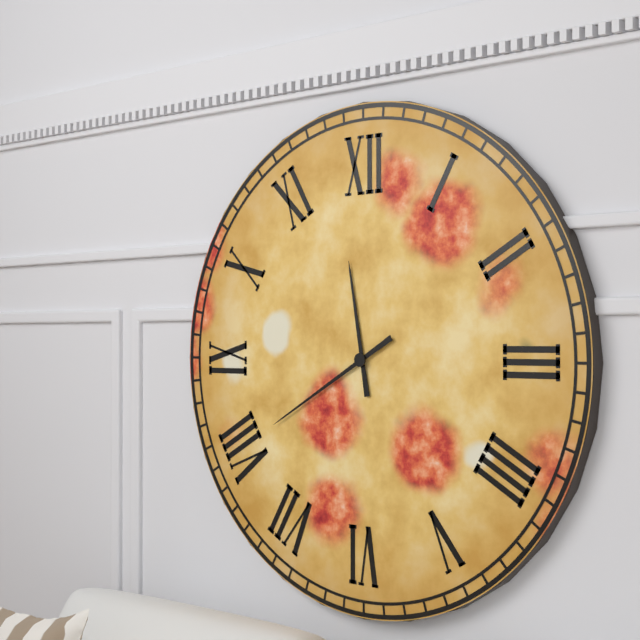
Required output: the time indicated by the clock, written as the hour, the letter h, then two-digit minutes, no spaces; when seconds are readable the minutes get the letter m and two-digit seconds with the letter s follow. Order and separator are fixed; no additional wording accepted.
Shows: 11h40
